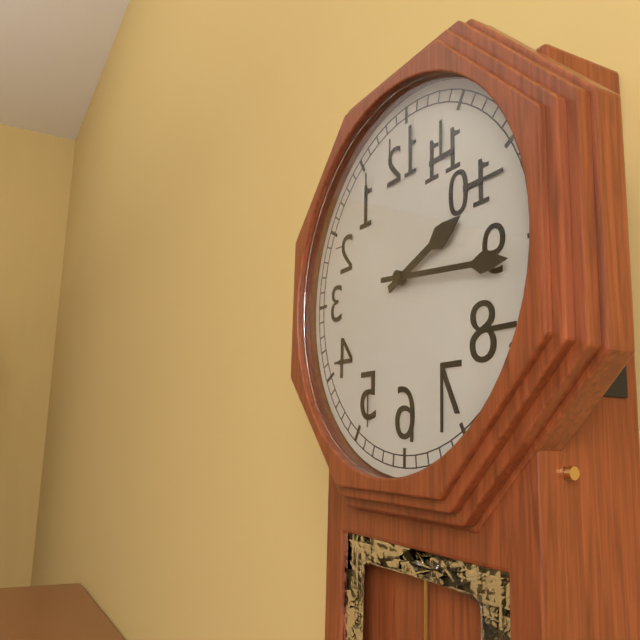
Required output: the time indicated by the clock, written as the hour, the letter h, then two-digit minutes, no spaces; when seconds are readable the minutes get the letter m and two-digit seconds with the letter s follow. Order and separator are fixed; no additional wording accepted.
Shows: 2h16
